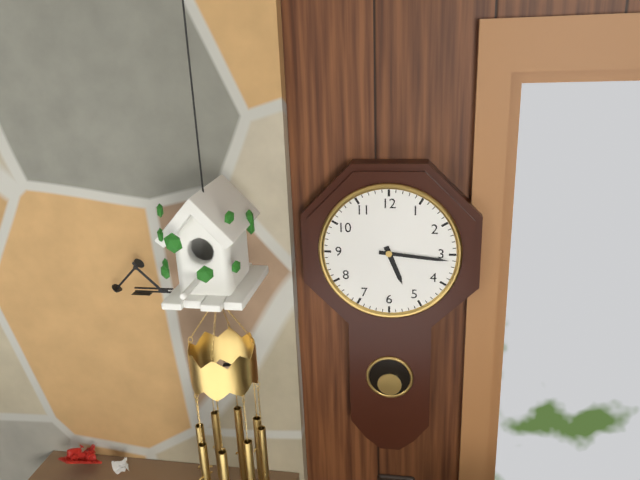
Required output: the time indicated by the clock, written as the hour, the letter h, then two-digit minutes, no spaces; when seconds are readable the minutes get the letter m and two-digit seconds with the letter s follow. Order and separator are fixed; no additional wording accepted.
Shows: 5h16
